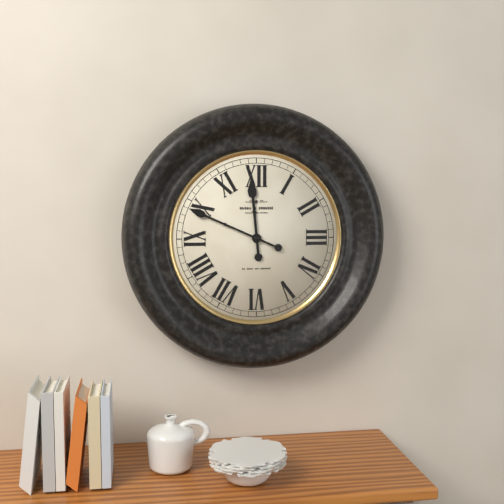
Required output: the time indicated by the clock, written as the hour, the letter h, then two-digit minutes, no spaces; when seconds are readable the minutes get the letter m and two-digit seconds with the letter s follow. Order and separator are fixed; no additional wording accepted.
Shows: 11h49
